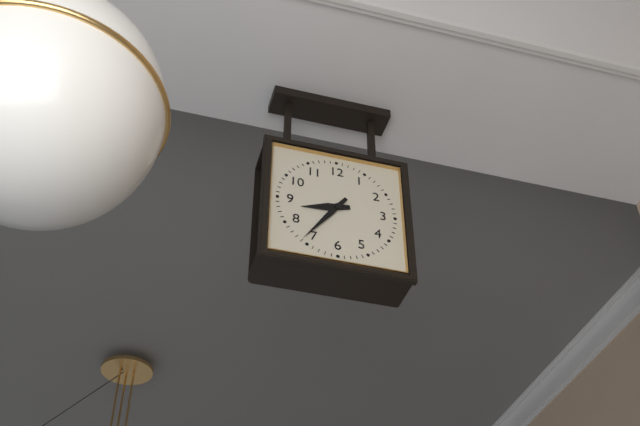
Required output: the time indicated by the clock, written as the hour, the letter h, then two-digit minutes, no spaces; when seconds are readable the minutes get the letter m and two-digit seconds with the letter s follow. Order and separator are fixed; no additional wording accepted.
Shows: 8h36
